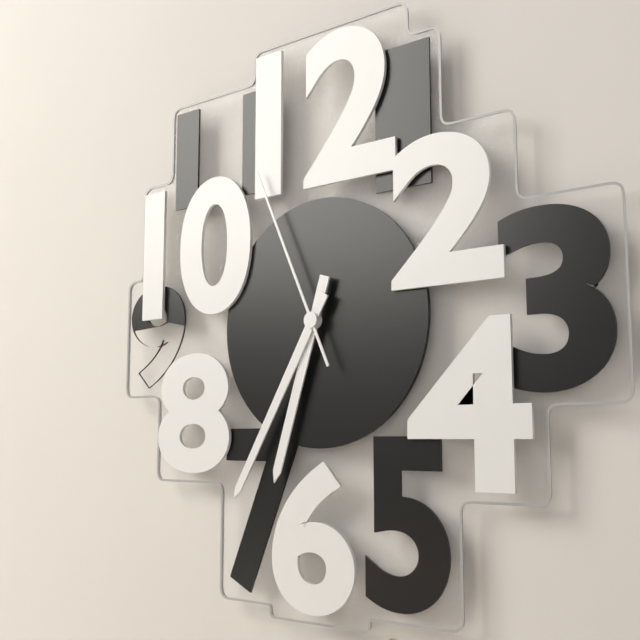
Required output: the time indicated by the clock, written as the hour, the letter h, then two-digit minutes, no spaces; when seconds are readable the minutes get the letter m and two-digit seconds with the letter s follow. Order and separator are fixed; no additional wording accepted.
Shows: 6h35m56s
